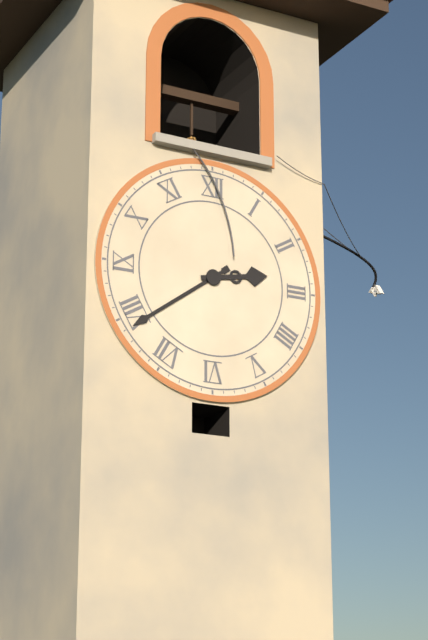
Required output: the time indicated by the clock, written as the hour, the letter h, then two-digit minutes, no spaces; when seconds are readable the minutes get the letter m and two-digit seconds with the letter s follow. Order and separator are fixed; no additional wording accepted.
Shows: 2h39
